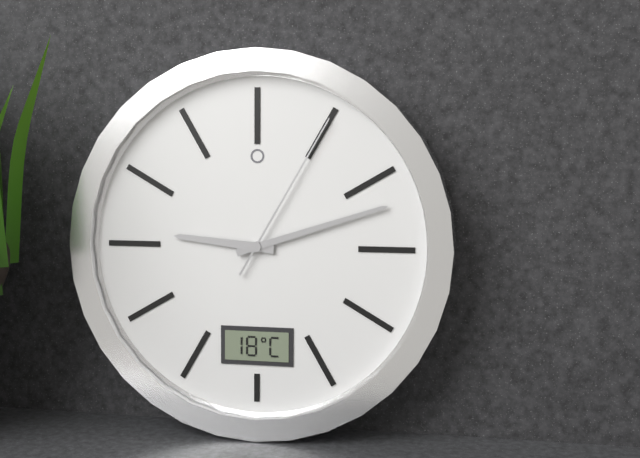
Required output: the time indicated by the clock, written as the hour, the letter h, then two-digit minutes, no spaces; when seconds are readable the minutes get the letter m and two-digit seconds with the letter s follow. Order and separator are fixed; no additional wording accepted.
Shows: 9h12m05s
